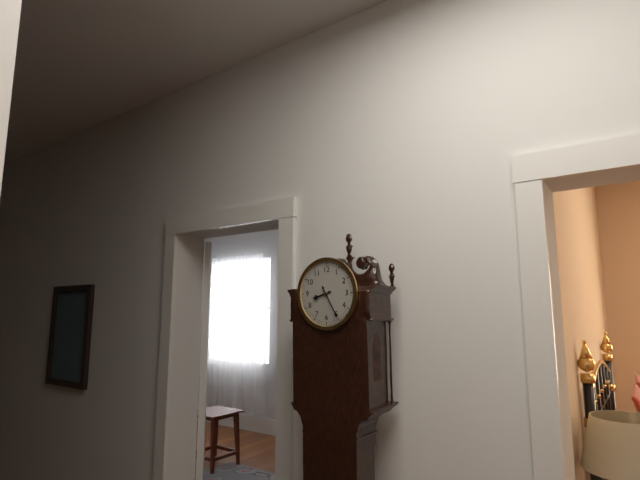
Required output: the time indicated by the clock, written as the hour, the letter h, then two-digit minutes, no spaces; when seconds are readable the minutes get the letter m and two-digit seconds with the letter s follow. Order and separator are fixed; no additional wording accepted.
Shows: 8h25
